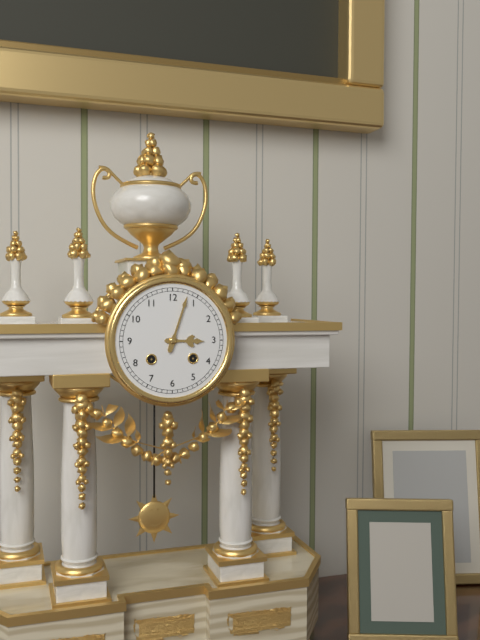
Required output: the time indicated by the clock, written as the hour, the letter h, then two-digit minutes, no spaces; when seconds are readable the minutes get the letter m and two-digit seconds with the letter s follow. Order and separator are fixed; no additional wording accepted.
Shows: 3h03
